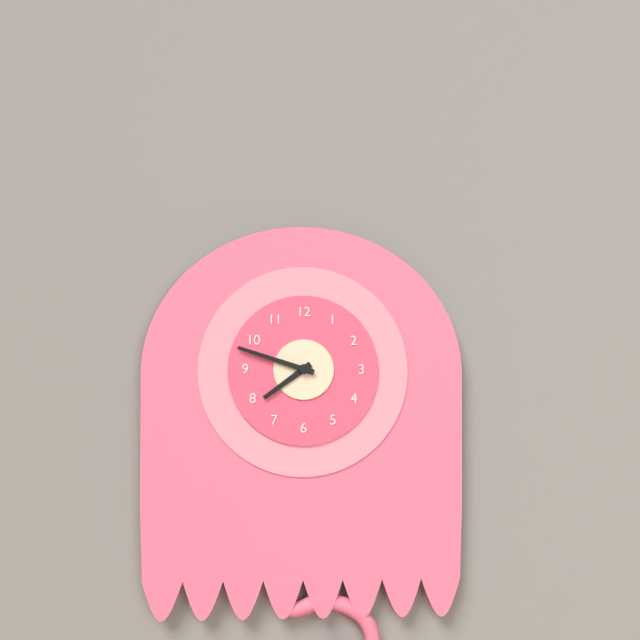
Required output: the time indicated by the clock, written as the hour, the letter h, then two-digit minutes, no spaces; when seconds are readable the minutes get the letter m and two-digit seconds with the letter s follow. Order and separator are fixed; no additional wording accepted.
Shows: 7h48
